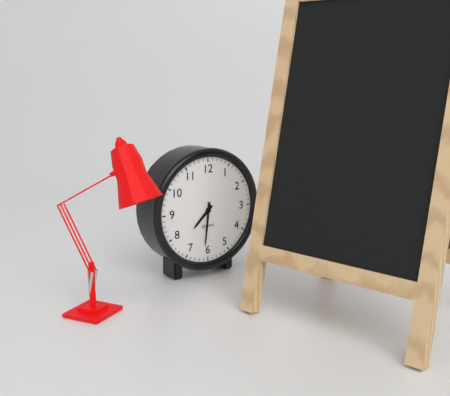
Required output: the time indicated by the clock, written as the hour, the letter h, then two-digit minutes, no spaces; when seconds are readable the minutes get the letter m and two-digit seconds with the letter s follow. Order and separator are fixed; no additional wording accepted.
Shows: 7h31
